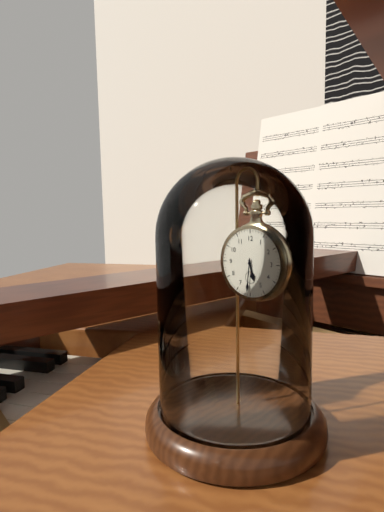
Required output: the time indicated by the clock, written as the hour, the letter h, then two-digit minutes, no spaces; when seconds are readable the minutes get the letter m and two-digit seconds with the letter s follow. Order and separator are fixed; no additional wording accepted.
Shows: 5h31
